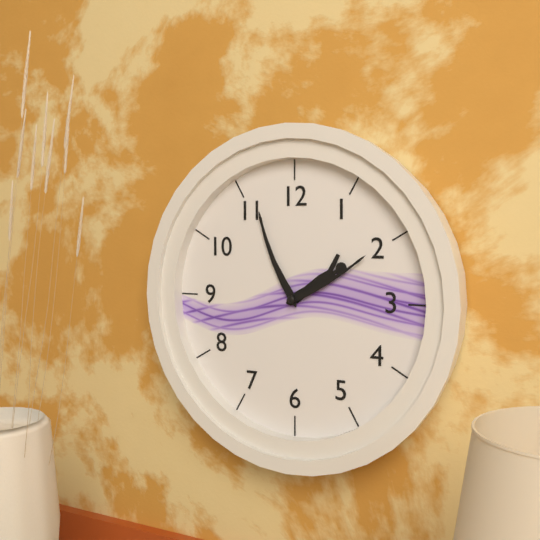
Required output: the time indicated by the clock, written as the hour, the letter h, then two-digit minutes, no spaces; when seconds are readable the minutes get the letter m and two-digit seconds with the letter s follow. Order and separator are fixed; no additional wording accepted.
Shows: 1h56m10s
